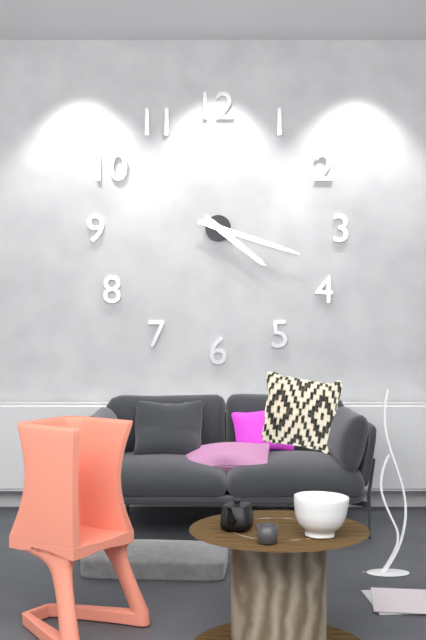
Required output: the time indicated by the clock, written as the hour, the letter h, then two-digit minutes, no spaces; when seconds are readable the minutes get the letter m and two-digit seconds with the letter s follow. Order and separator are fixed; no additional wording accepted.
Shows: 4h18
